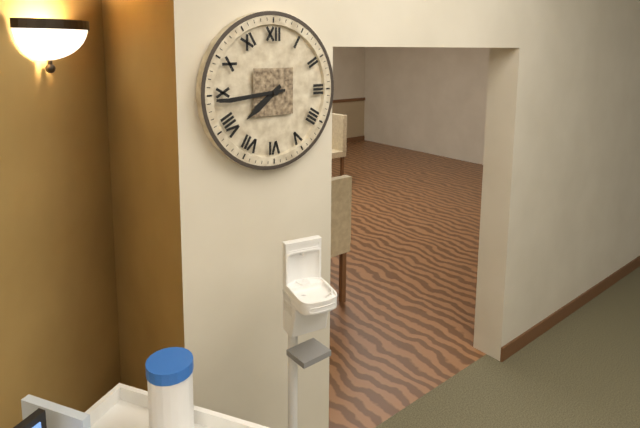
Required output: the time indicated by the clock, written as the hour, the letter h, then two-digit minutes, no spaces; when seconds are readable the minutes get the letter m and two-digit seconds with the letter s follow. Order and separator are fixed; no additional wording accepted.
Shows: 7h44
